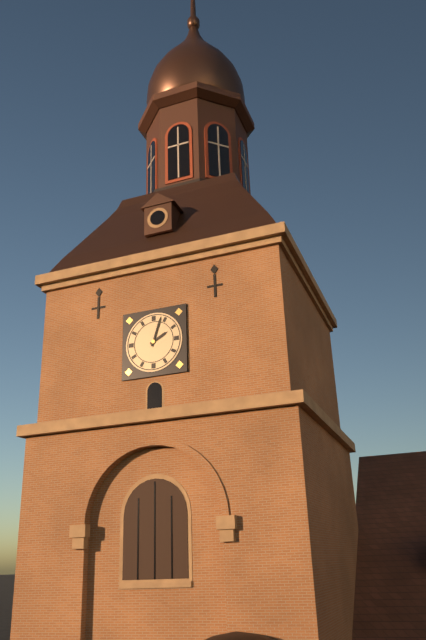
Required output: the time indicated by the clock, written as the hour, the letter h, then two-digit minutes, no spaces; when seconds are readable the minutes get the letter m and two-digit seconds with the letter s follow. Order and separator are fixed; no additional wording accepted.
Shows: 2h03
